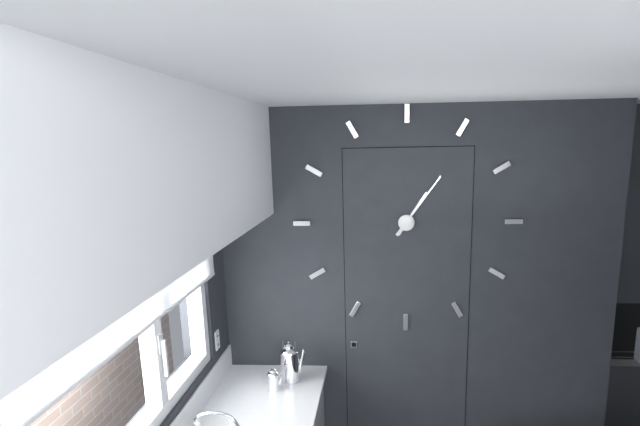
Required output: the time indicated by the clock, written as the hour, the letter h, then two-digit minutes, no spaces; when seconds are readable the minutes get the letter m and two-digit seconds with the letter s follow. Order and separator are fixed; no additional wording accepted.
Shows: 1h06
